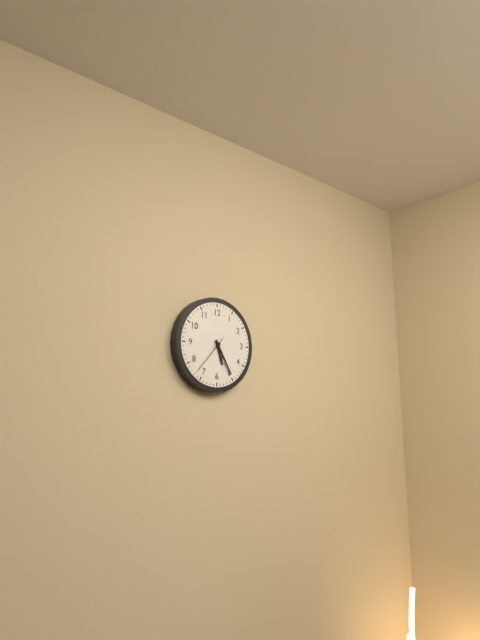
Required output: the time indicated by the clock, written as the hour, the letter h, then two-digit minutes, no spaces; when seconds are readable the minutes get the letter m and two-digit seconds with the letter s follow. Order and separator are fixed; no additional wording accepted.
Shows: 5h25
